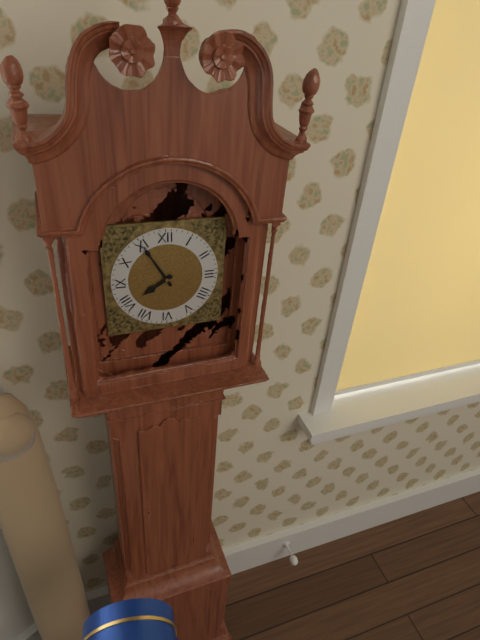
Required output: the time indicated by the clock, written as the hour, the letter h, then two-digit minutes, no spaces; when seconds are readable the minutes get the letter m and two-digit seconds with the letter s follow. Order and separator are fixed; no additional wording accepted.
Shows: 7h55
